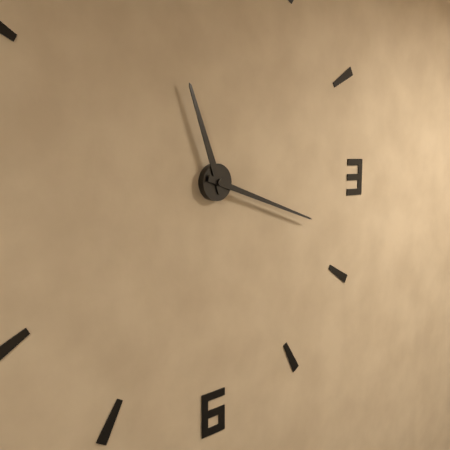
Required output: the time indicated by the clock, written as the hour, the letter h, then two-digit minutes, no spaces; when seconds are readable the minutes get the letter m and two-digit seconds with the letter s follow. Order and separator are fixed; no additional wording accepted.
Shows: 11h18
